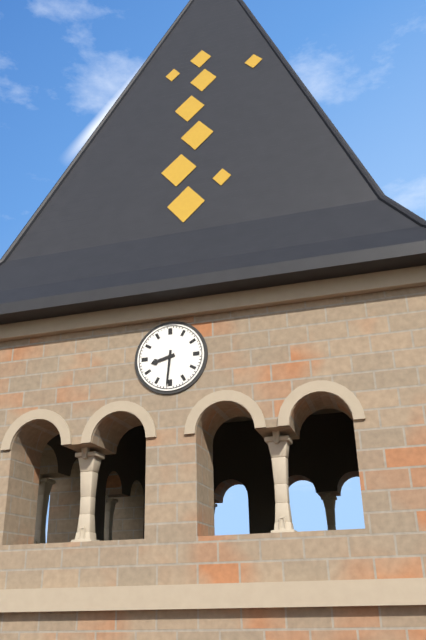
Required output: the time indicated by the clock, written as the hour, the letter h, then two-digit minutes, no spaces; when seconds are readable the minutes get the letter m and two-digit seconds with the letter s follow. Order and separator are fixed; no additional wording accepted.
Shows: 8h31
